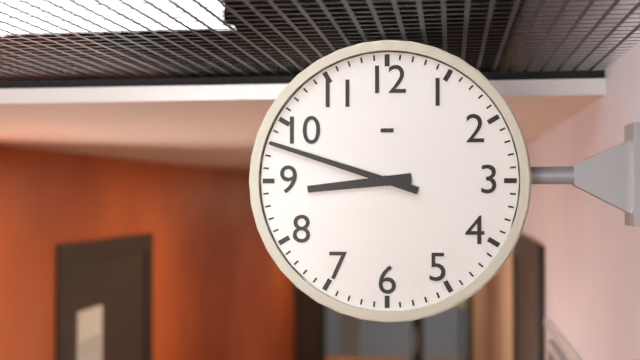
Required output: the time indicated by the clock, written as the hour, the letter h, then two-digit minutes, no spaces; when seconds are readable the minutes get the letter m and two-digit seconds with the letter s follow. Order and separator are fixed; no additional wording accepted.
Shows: 8h48
